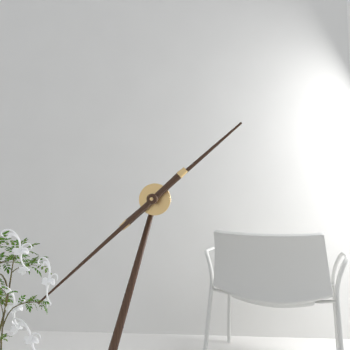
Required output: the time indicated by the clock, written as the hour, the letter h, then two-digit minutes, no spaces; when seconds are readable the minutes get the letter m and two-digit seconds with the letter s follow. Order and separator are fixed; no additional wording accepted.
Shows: 1h38
